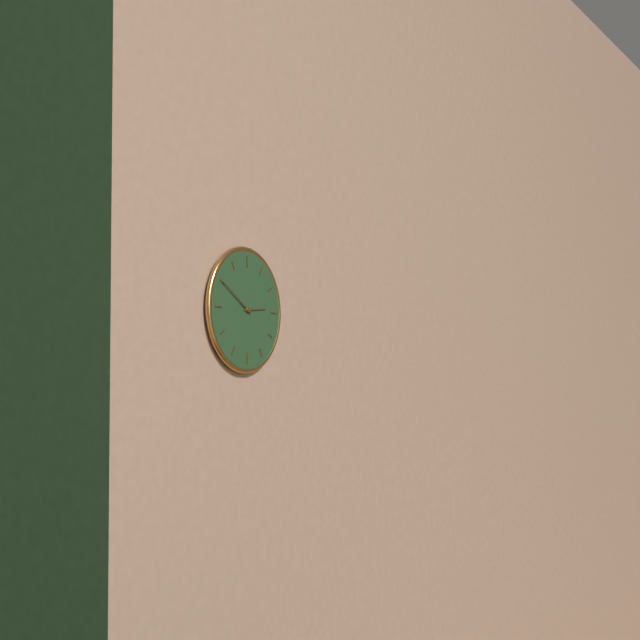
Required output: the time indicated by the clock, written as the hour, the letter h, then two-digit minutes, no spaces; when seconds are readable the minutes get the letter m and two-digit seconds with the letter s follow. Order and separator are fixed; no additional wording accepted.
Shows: 2h50
